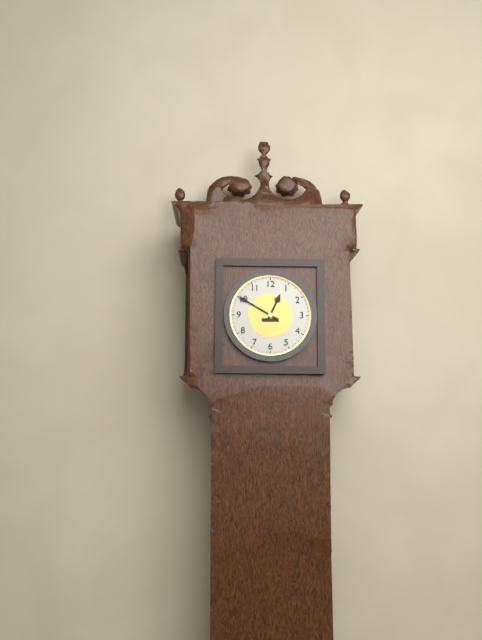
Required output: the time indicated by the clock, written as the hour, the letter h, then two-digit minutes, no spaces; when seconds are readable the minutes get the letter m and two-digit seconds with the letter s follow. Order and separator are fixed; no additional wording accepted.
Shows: 12h50
